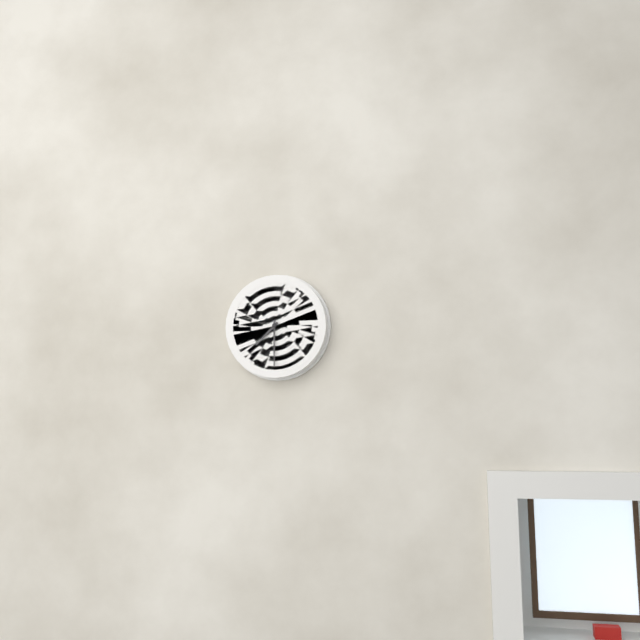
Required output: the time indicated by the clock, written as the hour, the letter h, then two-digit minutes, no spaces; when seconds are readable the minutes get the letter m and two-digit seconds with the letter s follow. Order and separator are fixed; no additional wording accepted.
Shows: 7h30
